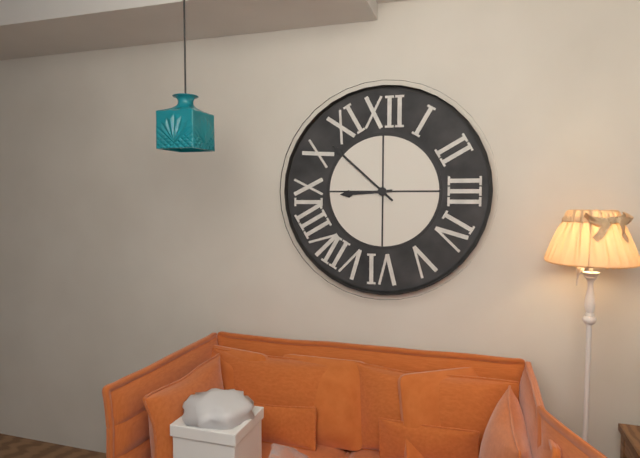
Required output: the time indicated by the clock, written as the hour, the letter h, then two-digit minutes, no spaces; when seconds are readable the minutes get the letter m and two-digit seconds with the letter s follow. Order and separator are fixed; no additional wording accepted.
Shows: 8h52
